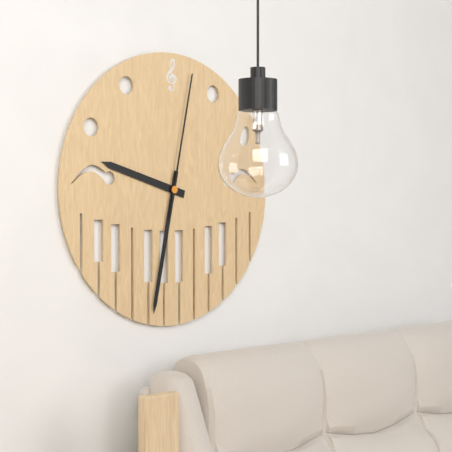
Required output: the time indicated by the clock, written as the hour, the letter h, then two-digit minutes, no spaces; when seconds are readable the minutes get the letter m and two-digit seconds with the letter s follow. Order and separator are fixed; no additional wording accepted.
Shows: 9h32m02s
